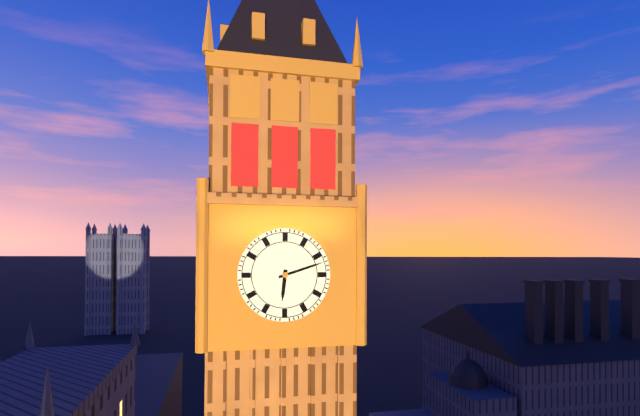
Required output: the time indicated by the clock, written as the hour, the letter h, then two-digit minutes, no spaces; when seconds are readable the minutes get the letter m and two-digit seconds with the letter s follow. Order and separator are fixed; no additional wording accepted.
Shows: 6h12
